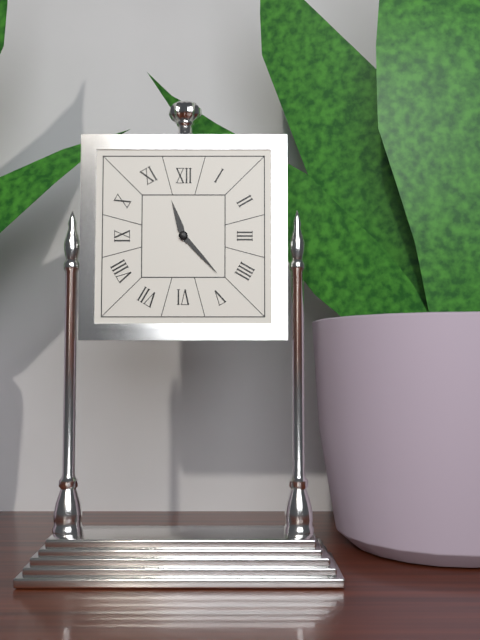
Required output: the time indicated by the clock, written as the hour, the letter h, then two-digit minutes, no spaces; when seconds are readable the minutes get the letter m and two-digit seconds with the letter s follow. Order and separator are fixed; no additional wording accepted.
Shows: 11h23
